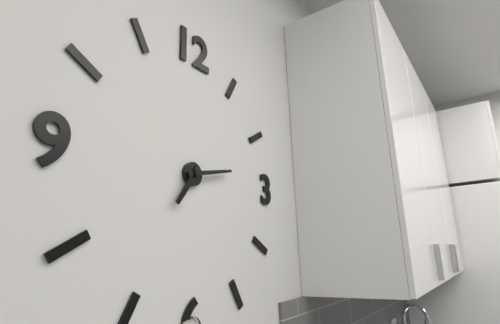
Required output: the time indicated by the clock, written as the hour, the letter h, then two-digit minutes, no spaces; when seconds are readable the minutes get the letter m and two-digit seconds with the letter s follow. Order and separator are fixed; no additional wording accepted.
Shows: 7h13
